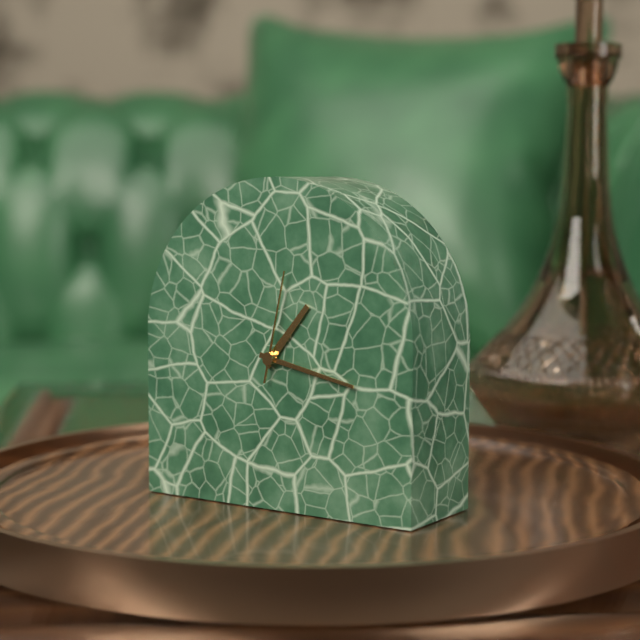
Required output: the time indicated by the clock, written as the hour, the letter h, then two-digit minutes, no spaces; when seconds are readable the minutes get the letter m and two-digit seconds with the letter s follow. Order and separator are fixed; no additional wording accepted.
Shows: 1h17m02s
